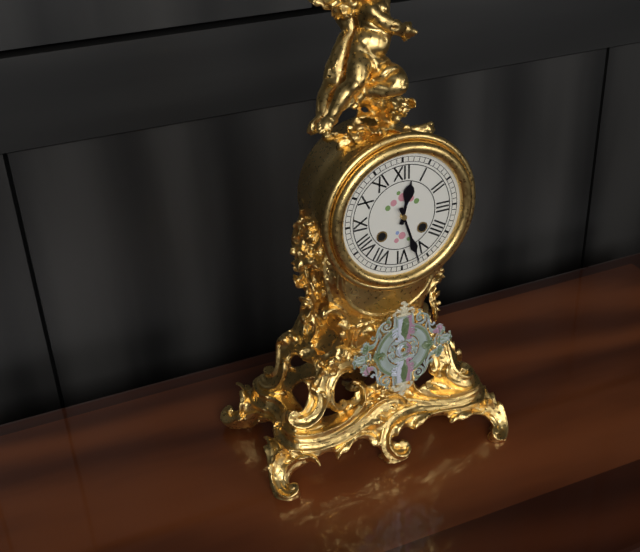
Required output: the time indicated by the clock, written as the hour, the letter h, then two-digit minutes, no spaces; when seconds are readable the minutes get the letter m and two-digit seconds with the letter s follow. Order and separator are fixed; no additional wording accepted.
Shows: 12h27
